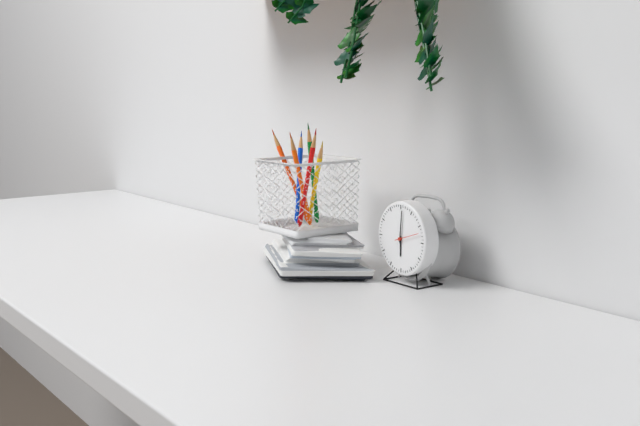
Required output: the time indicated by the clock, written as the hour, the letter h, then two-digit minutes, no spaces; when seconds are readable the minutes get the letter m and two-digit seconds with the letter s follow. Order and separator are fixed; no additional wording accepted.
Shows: 6h01
